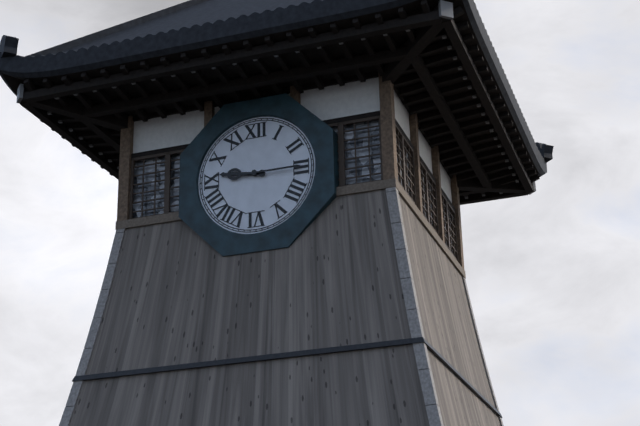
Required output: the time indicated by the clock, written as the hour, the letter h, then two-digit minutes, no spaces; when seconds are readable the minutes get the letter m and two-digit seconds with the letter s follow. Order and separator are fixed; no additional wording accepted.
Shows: 9h15
